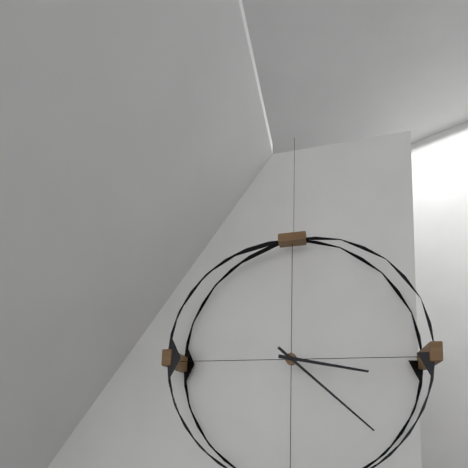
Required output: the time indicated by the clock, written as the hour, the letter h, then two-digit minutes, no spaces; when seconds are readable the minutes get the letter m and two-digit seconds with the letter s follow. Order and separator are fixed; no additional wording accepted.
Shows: 3h22
